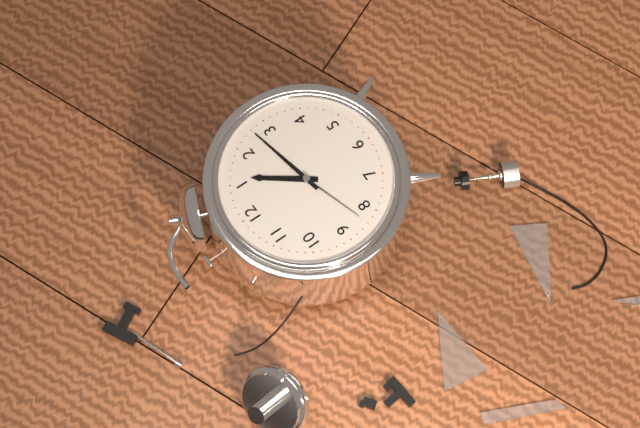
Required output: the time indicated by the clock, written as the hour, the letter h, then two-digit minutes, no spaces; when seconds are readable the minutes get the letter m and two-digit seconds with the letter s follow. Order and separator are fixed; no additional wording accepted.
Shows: 1h13m42s
